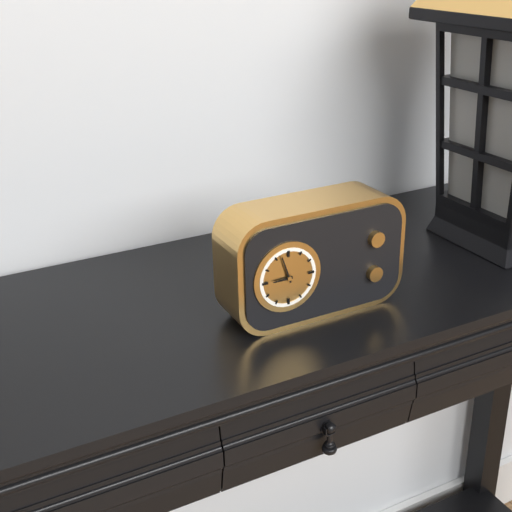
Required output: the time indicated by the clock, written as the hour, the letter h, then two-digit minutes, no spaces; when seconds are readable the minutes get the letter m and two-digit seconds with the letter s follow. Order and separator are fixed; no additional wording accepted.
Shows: 8h57
